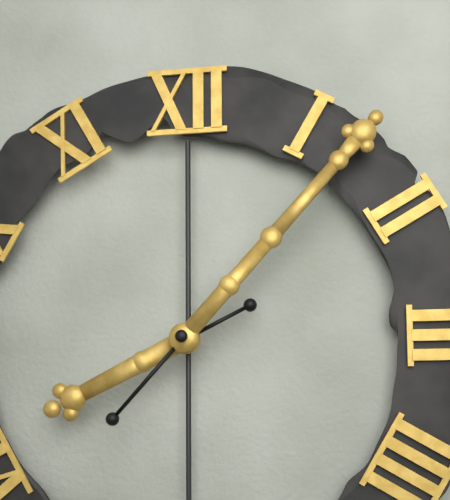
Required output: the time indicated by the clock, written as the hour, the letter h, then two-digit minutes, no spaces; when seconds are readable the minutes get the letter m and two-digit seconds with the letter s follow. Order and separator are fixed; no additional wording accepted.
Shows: 8h07
